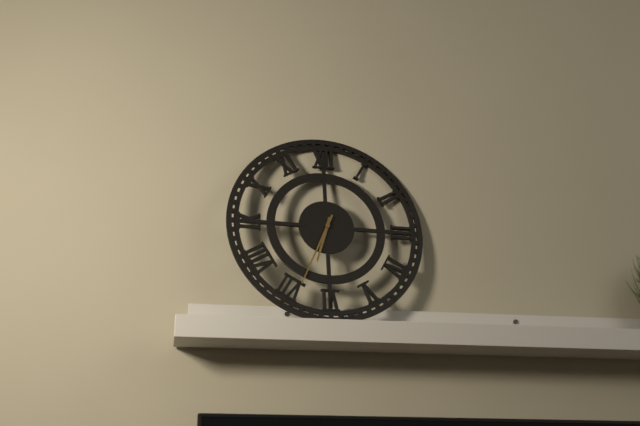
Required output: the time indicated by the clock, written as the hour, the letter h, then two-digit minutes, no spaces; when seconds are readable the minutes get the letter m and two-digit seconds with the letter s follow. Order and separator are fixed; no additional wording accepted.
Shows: 6h34
